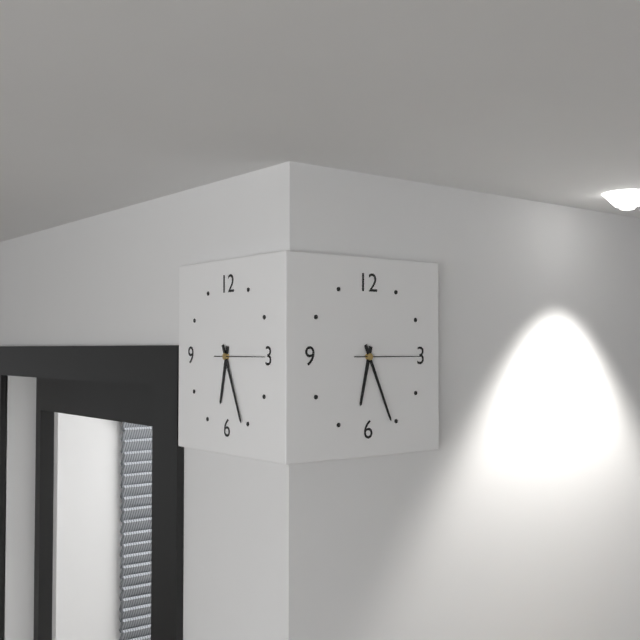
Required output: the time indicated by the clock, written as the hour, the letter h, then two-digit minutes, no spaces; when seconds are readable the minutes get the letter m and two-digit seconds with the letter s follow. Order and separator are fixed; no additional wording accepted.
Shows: 6h26
